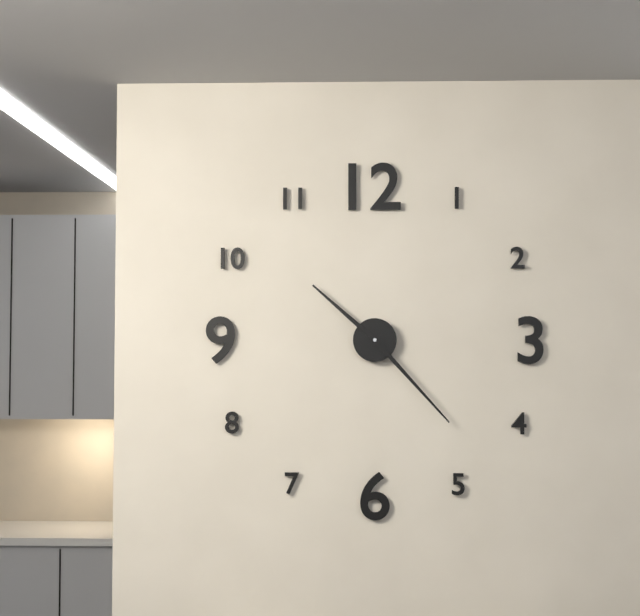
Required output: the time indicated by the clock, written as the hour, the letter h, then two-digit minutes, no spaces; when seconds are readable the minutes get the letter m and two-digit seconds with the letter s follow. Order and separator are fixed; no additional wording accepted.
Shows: 10h23
